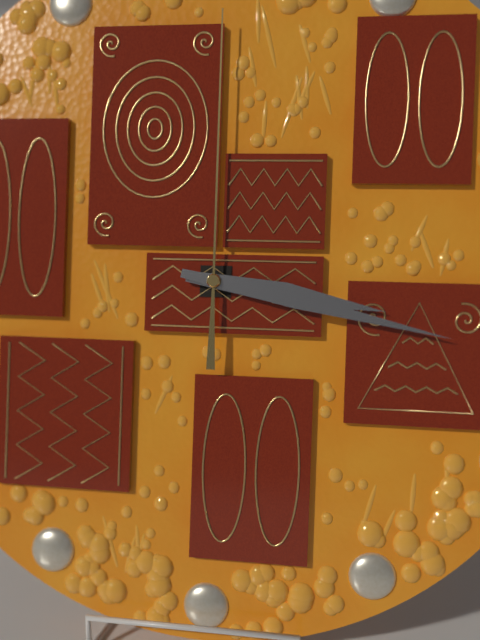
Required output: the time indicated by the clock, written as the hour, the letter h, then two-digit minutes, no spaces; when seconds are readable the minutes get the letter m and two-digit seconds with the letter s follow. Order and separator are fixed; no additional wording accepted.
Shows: 3h17m00s
